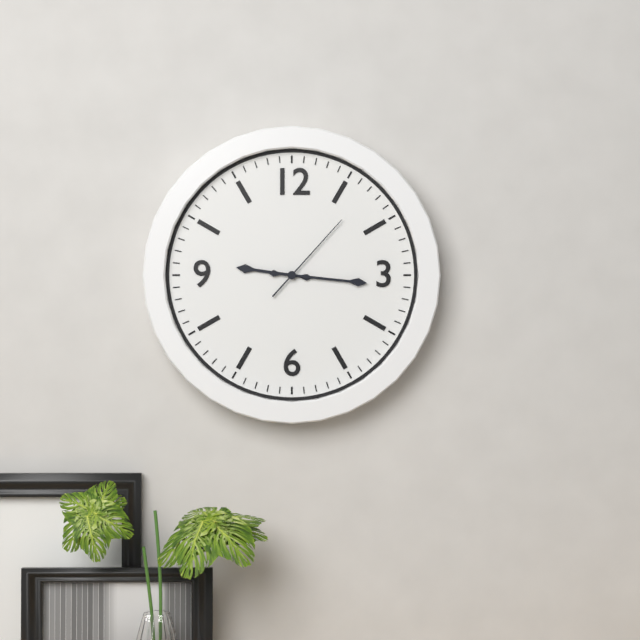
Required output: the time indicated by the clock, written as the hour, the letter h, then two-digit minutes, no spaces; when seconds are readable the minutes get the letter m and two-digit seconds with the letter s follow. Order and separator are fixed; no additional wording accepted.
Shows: 9h16m07s
